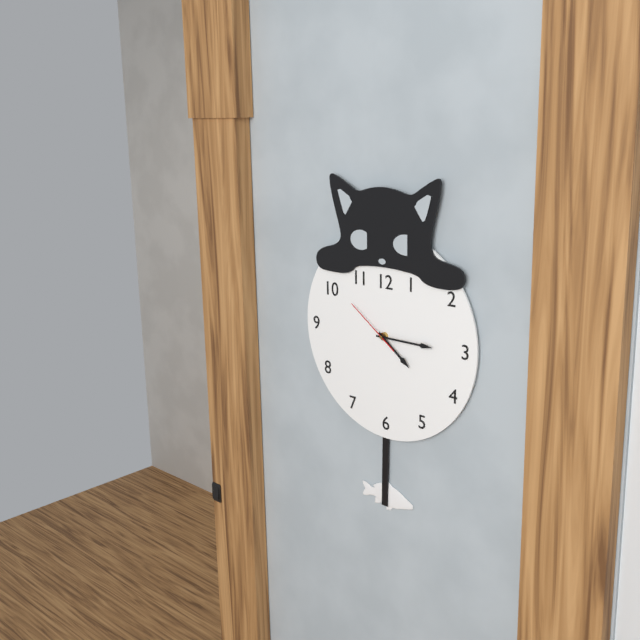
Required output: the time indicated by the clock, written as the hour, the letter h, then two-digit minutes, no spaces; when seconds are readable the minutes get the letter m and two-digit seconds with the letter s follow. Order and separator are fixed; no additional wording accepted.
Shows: 4h15m51s
